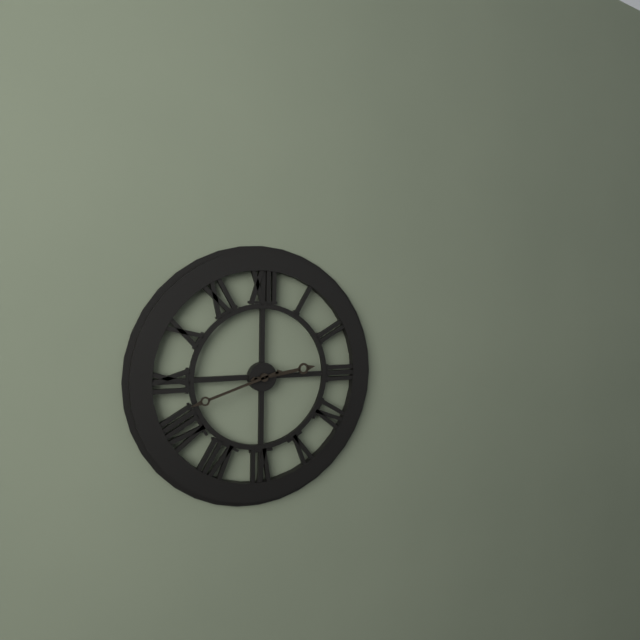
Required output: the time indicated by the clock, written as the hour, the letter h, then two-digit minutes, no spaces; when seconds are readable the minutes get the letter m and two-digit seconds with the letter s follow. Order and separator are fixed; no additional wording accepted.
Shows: 2h42
